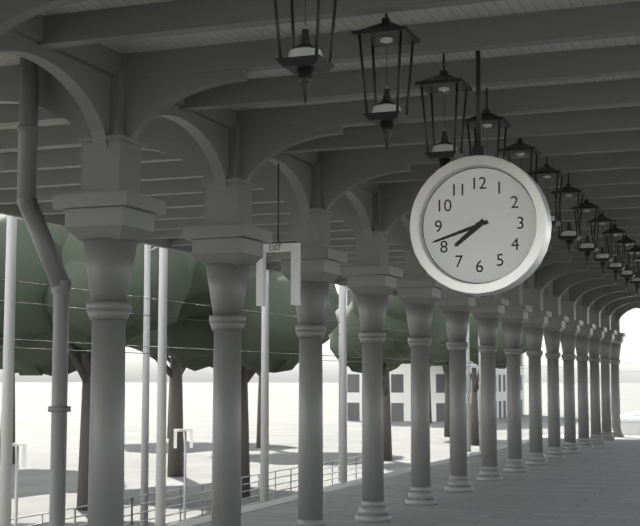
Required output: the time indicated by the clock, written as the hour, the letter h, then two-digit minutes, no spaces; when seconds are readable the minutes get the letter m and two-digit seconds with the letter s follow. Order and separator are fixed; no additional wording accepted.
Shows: 7h42
